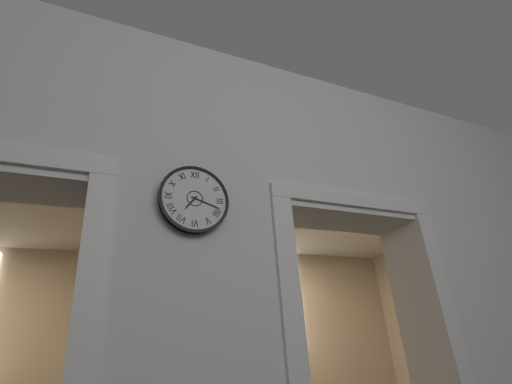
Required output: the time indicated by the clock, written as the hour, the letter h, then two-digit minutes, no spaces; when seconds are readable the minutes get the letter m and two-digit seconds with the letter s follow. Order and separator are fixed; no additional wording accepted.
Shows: 7h18
